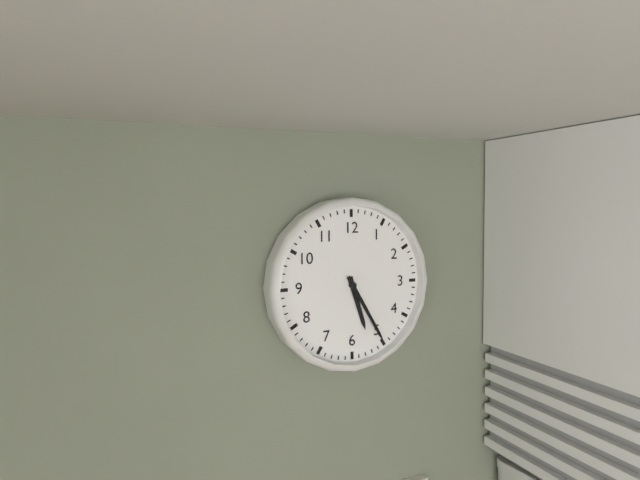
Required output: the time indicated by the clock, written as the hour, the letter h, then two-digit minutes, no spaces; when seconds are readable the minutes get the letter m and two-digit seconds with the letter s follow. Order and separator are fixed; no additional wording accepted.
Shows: 5h25
